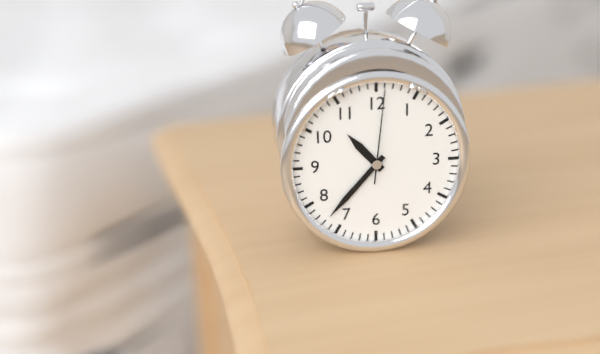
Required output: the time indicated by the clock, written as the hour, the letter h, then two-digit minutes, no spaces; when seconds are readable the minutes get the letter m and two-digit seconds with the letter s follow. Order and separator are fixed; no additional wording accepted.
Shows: 10h37m01s
